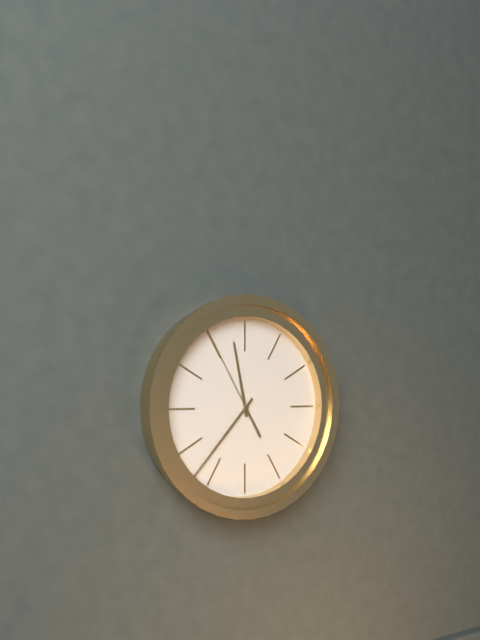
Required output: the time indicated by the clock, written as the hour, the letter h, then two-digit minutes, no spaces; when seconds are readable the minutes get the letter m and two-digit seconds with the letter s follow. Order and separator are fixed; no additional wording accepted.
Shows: 11h37m55s
